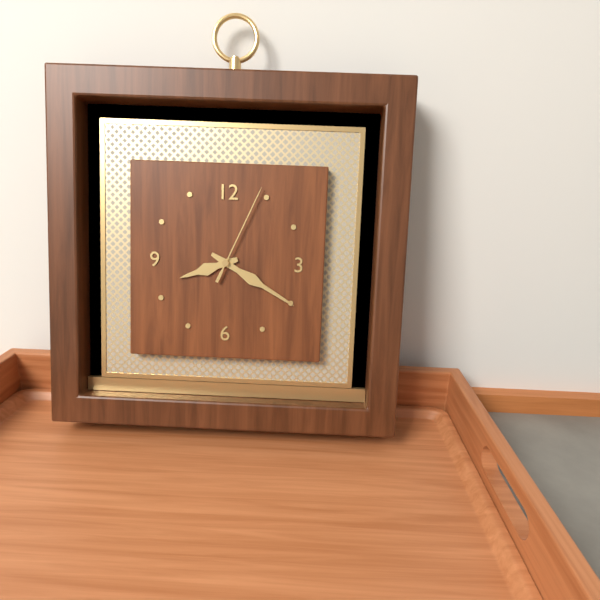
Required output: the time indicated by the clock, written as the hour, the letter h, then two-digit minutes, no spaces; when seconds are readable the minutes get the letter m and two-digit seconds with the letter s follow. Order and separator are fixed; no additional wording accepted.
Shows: 8h20m04s
